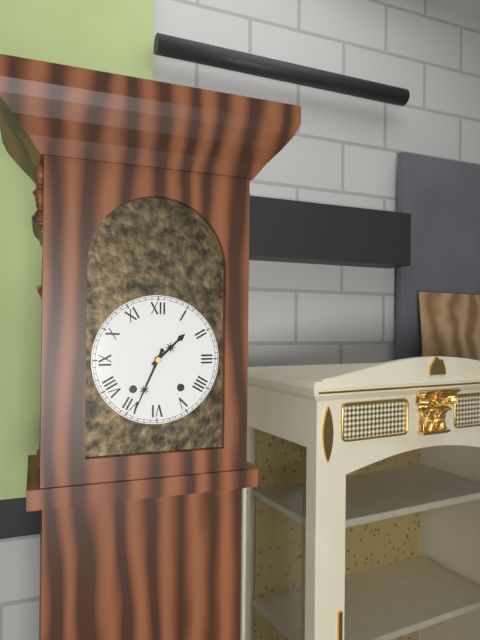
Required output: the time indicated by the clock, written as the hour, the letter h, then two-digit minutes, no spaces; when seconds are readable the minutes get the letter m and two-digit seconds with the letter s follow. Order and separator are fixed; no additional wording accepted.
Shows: 1h34
